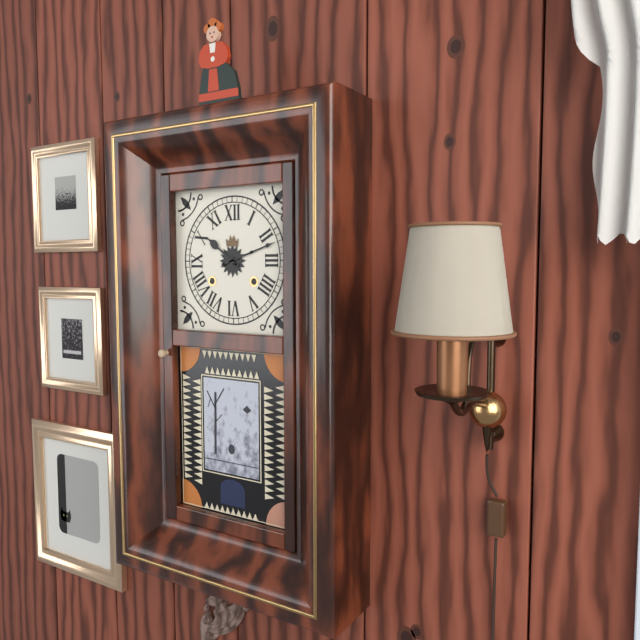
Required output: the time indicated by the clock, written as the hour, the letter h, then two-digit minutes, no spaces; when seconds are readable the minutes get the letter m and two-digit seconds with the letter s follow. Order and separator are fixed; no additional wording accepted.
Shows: 10h12
